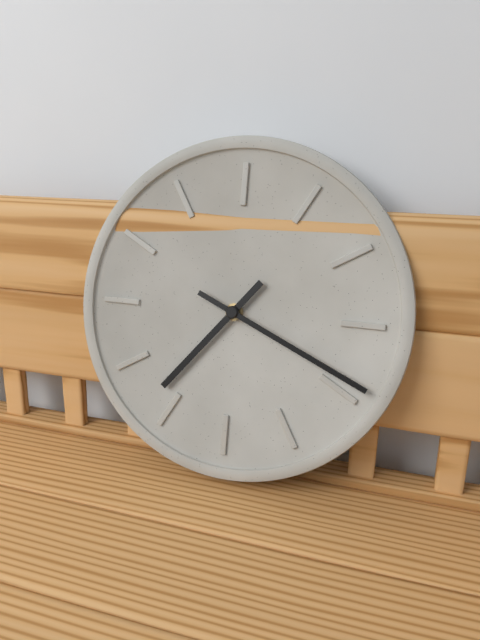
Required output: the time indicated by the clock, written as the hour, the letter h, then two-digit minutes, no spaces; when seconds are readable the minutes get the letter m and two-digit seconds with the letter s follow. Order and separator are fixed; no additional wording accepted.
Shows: 7h19
